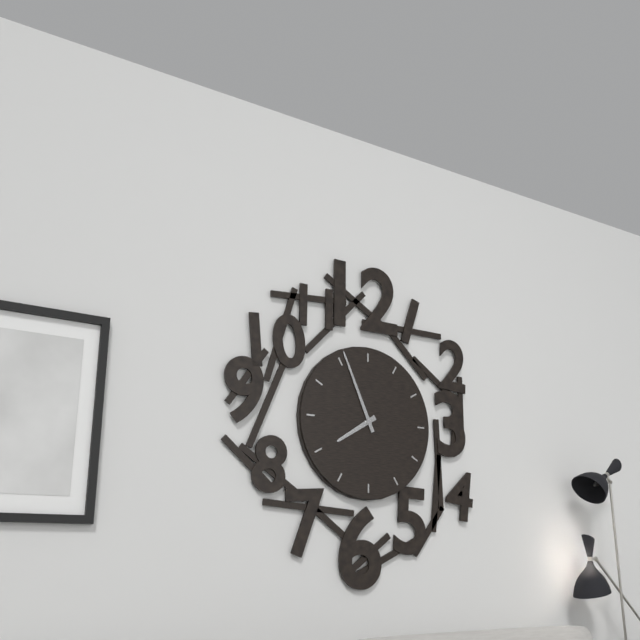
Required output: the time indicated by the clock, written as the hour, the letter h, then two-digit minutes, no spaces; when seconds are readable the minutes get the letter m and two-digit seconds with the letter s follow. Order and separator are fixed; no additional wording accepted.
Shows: 7h56
